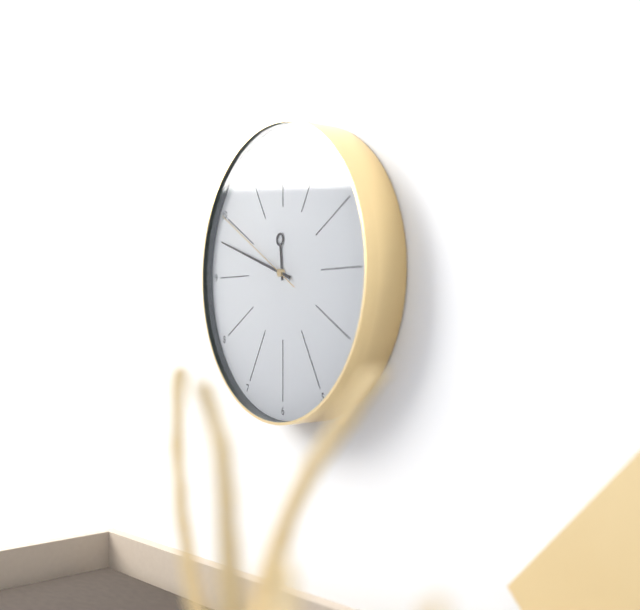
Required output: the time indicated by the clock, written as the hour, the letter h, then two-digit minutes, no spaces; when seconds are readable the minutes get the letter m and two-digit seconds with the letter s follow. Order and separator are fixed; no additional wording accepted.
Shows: 11h48m50s
